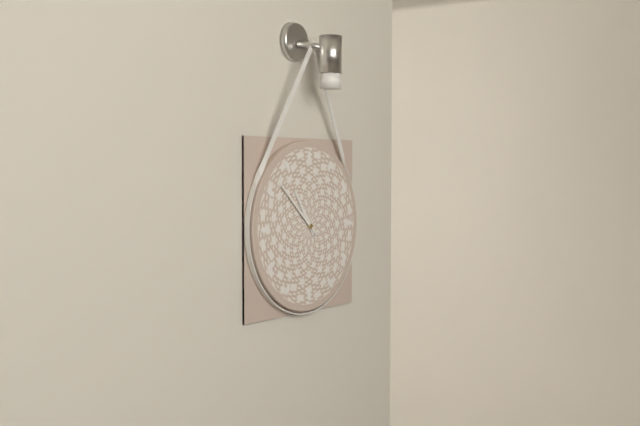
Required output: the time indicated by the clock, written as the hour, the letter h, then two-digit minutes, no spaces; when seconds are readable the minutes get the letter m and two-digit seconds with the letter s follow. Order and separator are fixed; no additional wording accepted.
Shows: 10h52
